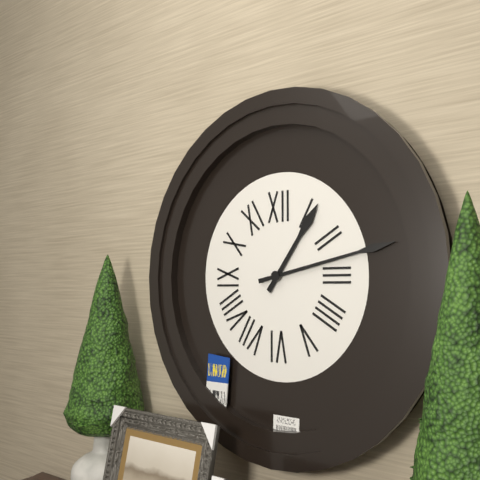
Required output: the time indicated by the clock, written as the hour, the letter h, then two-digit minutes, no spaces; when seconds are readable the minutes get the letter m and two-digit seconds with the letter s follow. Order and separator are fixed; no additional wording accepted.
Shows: 1h13
